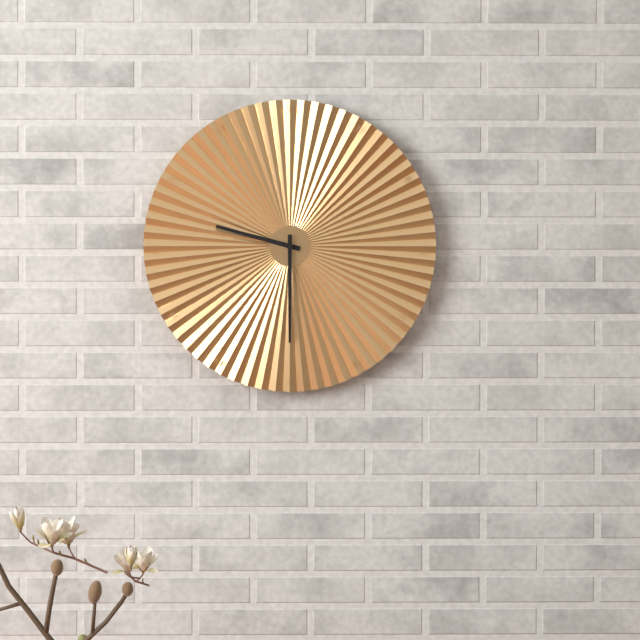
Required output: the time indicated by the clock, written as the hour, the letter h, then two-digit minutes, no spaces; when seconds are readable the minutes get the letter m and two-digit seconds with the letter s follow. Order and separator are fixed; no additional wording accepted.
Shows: 9h30
